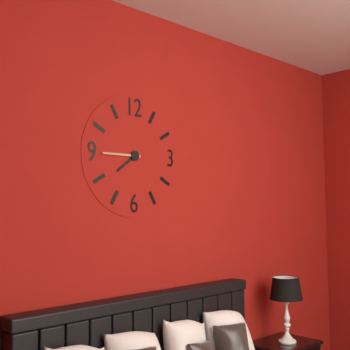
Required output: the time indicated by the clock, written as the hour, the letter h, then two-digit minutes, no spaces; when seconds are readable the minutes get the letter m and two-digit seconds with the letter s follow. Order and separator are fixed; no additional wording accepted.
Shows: 7h45
